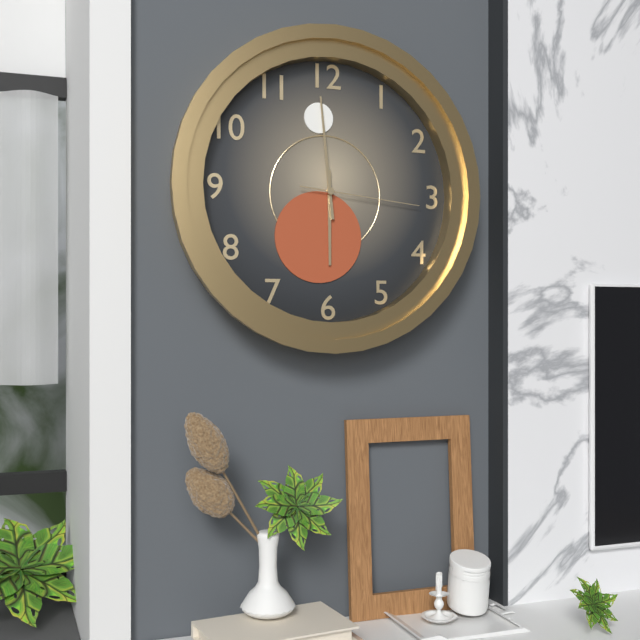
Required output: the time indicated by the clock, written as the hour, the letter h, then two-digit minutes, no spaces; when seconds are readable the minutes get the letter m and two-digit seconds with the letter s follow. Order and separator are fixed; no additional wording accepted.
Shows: 5h59m16s
